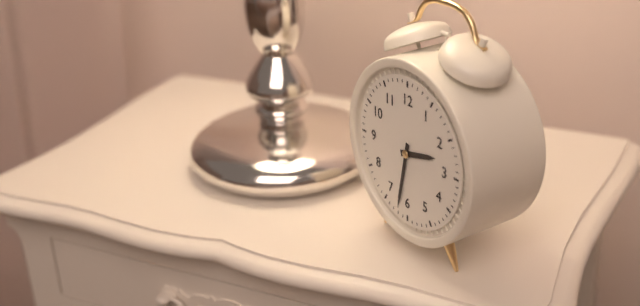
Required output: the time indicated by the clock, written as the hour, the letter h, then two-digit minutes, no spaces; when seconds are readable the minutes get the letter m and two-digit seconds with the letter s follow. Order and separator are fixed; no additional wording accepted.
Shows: 2h32
